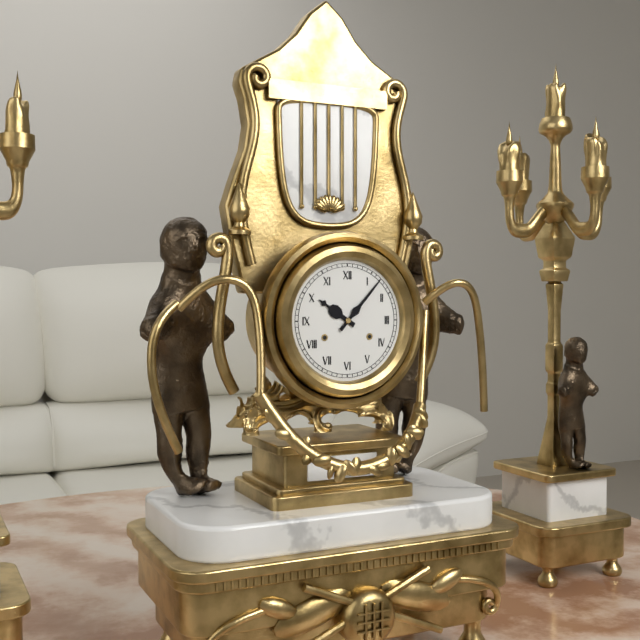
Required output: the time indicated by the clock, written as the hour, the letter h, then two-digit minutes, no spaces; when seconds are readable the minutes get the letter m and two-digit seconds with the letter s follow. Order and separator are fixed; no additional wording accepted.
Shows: 10h07
